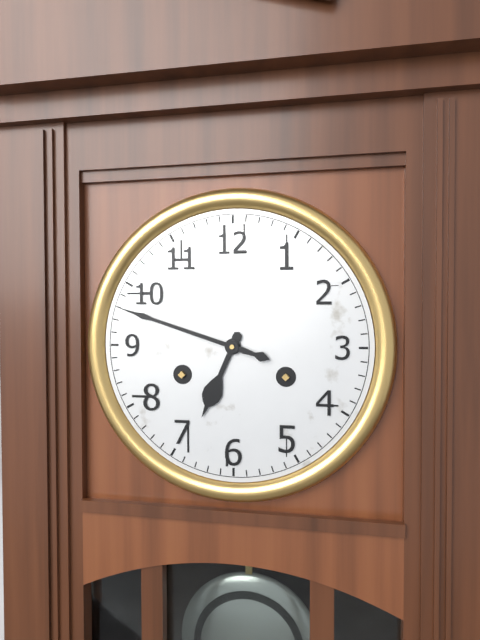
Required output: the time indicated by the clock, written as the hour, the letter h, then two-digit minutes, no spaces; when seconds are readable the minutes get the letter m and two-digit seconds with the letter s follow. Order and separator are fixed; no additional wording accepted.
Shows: 6h48
